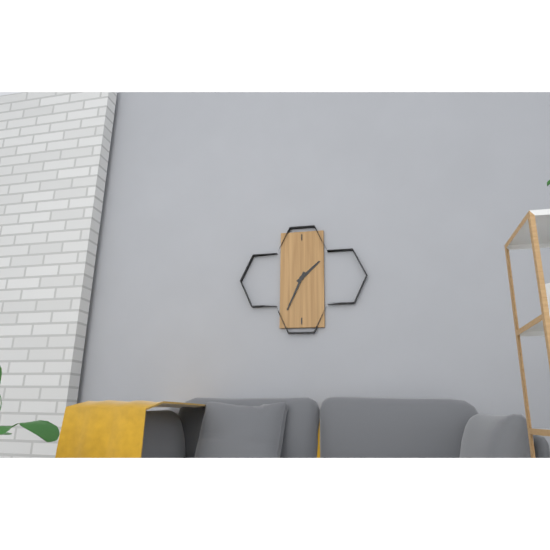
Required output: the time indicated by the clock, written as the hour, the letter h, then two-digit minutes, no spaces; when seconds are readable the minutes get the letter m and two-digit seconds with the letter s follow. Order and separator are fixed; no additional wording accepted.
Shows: 1h34
